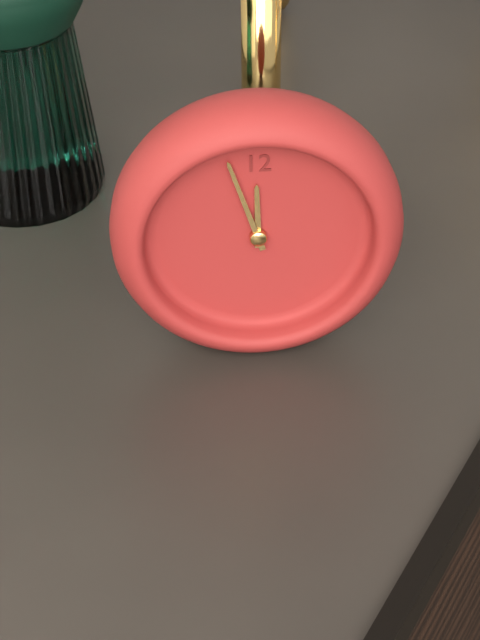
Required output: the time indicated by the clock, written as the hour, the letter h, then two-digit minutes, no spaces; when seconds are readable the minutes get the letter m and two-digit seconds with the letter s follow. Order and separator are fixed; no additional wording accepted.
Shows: 11h57
